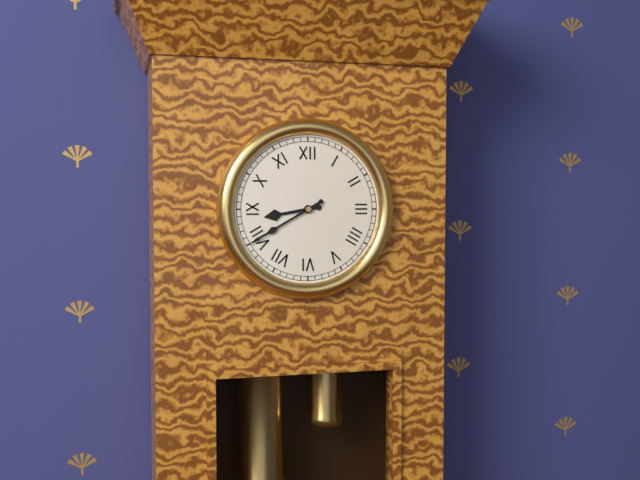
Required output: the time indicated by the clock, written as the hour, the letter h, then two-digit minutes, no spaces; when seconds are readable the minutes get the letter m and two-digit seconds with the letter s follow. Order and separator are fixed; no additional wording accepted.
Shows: 8h40
